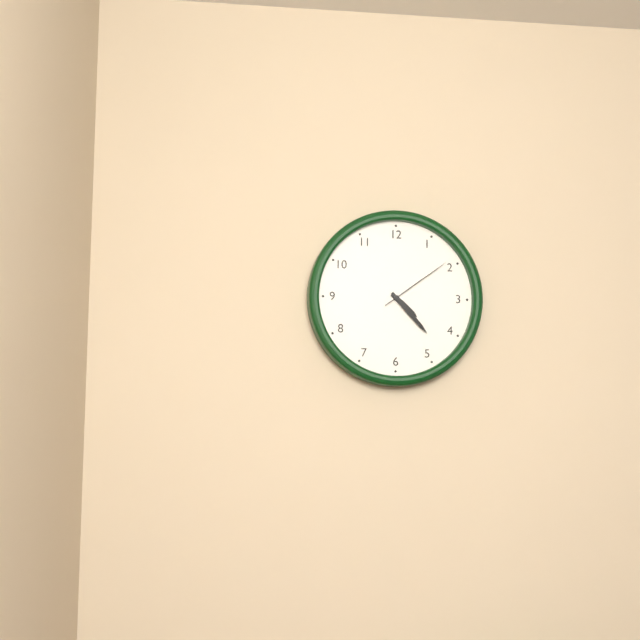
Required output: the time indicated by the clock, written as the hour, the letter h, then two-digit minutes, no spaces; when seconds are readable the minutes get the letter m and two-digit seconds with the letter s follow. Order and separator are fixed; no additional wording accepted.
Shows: 4h23m09s
